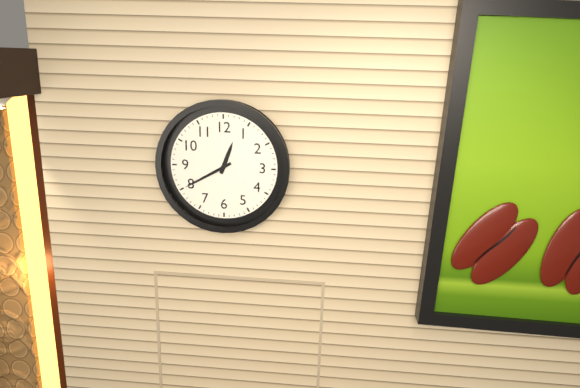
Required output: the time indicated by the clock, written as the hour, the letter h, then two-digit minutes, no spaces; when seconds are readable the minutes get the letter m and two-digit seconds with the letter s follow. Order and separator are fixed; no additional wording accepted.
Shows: 12h40
